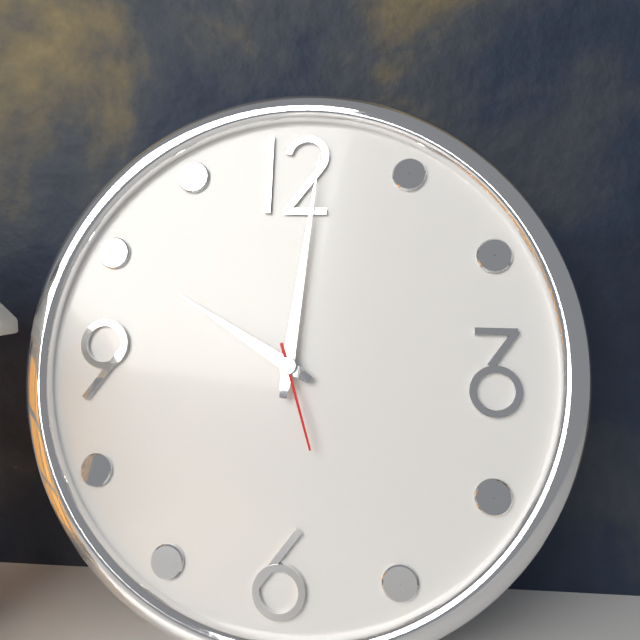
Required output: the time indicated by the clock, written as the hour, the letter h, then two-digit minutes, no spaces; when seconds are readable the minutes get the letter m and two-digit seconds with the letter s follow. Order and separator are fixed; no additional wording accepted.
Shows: 10h01m27s
